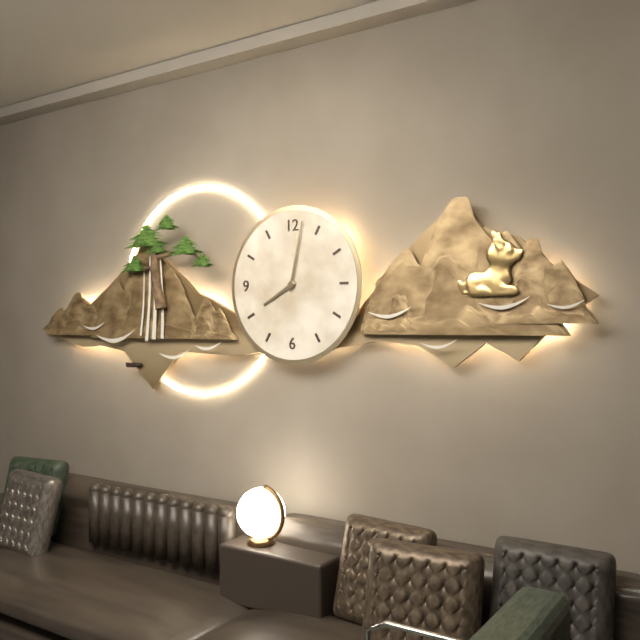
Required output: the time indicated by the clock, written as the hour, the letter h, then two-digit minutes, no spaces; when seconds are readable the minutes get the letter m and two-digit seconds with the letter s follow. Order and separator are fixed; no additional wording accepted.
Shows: 8h02
